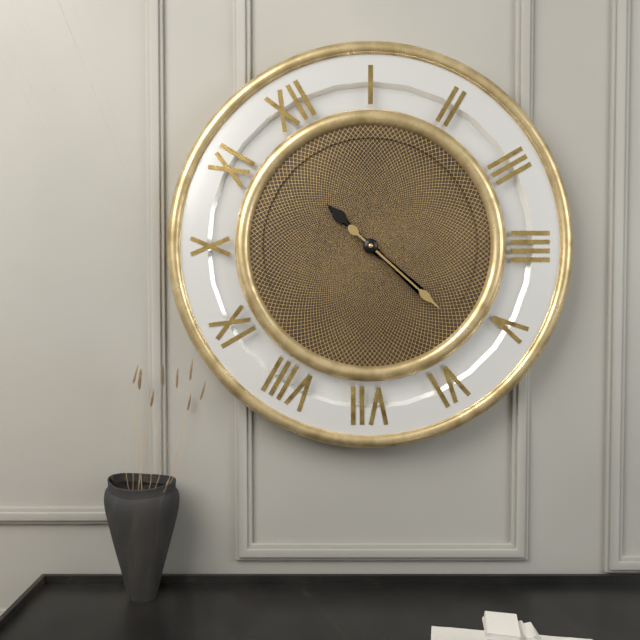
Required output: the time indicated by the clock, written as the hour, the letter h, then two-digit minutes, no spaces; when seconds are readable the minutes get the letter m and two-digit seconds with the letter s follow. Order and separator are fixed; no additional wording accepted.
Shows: 11h27
